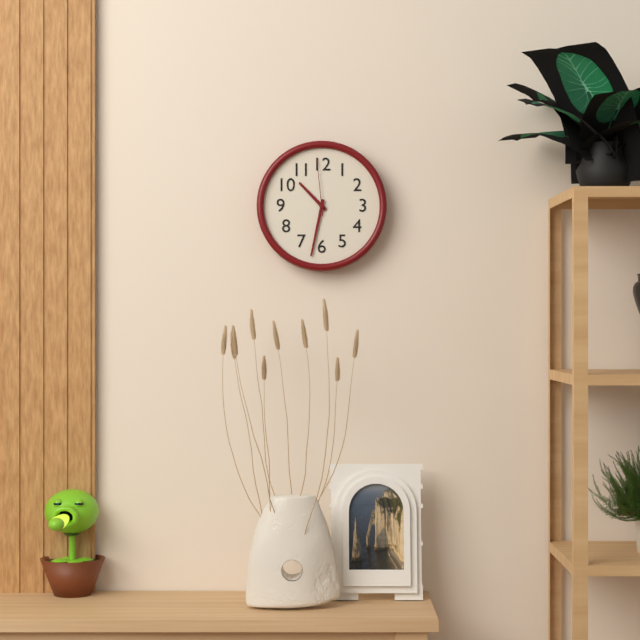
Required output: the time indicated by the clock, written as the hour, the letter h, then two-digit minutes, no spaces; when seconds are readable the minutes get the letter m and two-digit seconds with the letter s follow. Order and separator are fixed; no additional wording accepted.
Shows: 10h32m59s
